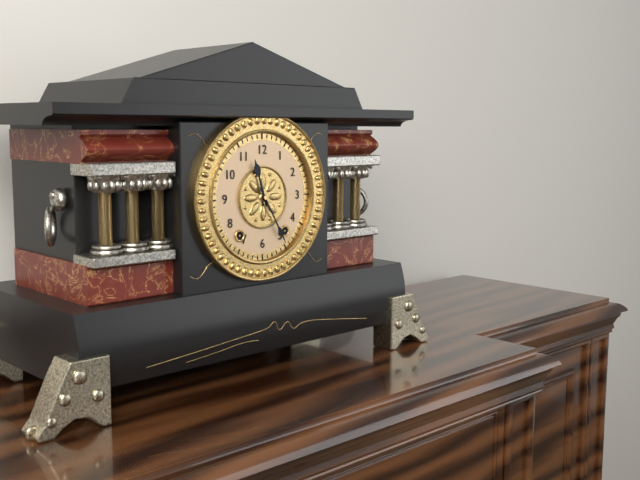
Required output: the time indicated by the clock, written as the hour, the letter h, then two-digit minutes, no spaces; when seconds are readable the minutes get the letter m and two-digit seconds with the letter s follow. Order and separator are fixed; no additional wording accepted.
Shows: 11h25
